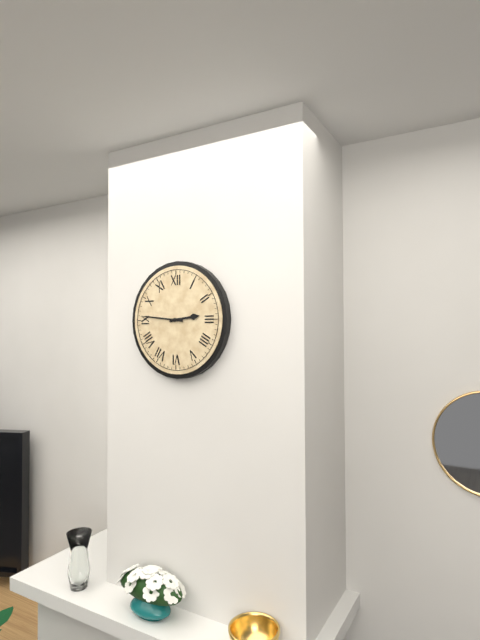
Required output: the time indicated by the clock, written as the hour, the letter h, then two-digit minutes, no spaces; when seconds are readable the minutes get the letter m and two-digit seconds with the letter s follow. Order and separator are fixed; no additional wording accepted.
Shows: 2h46
